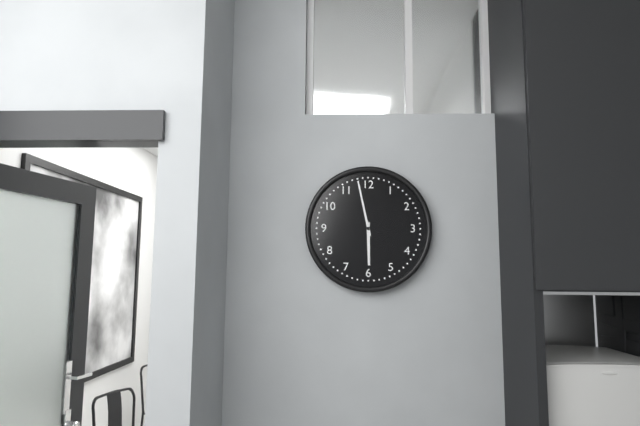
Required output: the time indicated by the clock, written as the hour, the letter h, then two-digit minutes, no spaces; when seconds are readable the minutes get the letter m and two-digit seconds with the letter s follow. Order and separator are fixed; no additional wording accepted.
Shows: 5h58
